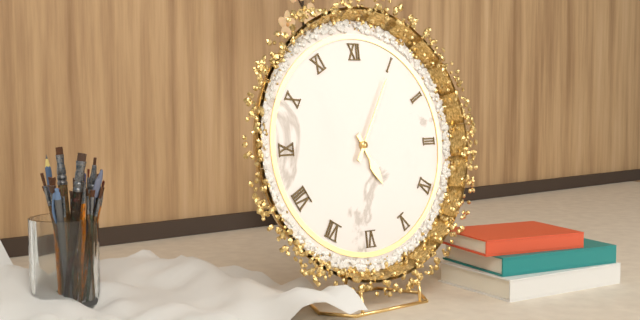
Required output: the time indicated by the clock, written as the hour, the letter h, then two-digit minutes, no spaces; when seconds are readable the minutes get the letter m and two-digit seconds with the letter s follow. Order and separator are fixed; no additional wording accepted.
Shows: 5h05
